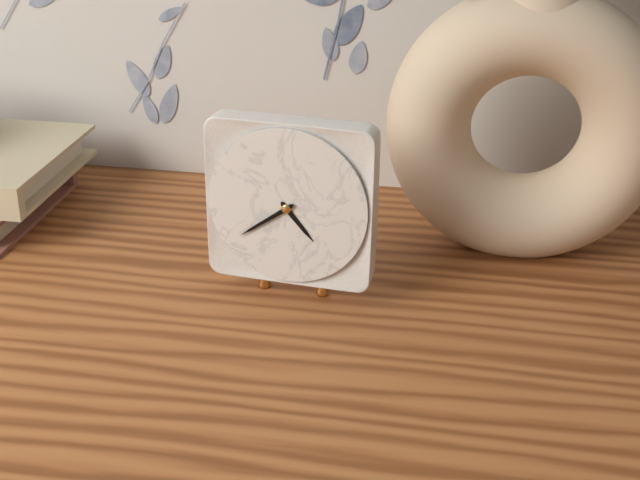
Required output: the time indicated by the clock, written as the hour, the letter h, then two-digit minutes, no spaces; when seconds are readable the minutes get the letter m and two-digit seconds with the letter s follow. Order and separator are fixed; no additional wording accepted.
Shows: 4h39
